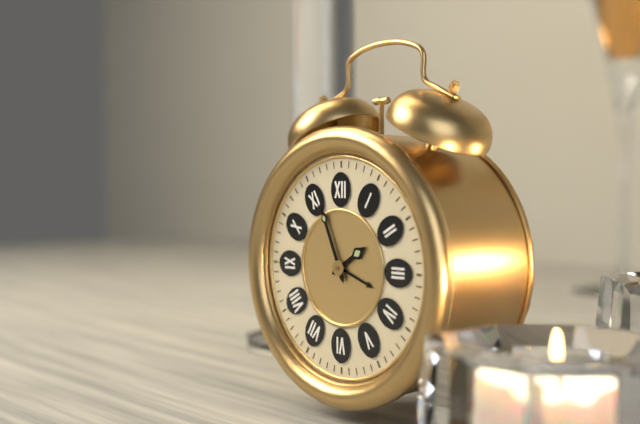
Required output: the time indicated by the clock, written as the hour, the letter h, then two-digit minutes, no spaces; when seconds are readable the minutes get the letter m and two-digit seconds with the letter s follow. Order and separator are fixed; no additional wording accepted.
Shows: 1h56
